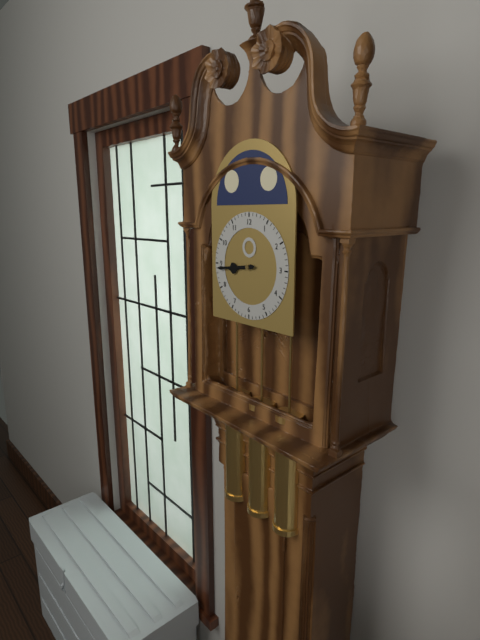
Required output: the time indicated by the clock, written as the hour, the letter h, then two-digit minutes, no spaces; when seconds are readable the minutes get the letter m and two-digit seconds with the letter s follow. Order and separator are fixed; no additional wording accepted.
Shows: 8h44
